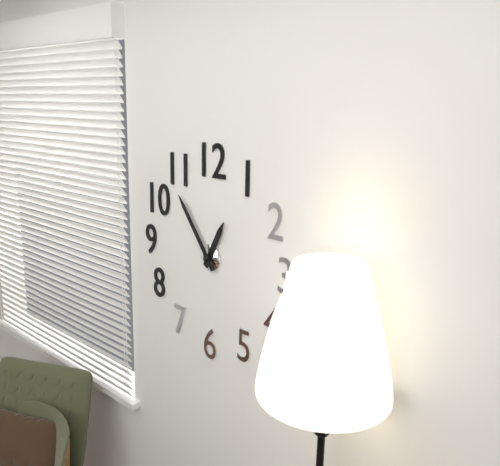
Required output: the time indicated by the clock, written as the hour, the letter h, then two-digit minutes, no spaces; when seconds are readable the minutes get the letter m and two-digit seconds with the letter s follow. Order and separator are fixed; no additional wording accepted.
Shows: 12h54
